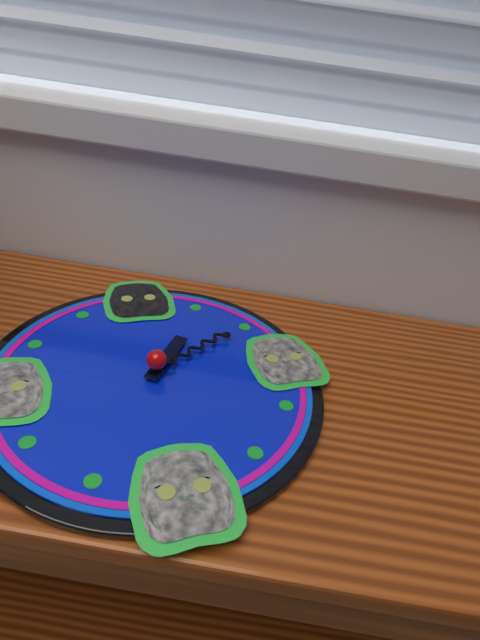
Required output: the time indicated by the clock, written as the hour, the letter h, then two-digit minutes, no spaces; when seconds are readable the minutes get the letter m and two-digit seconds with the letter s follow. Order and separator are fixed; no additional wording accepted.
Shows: 1h10
